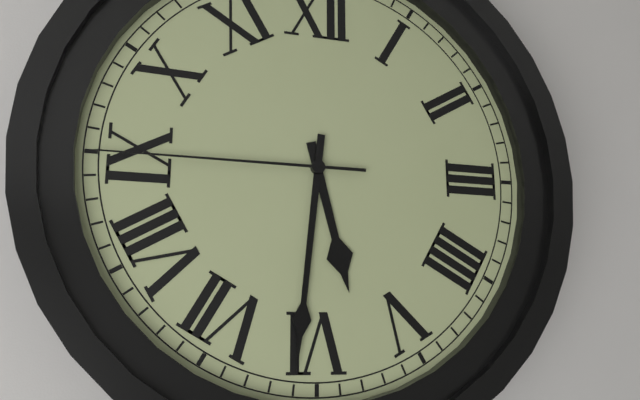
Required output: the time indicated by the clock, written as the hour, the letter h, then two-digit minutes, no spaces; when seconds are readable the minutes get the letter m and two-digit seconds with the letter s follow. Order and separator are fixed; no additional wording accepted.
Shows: 5h31m45s
